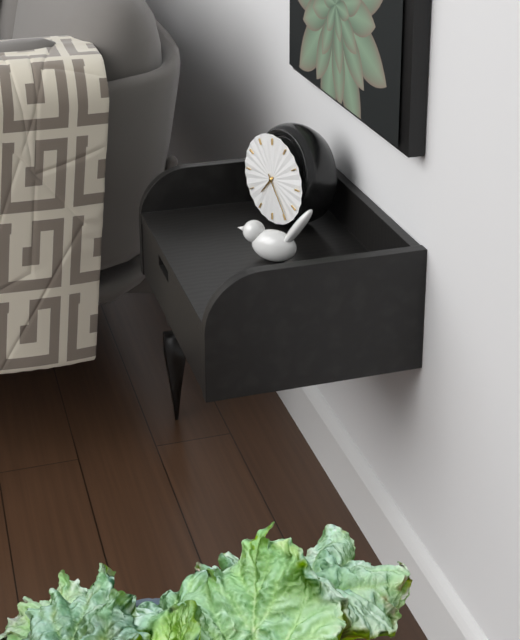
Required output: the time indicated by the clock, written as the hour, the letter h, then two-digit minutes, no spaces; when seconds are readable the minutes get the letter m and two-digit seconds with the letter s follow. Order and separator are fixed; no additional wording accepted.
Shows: 7h24
